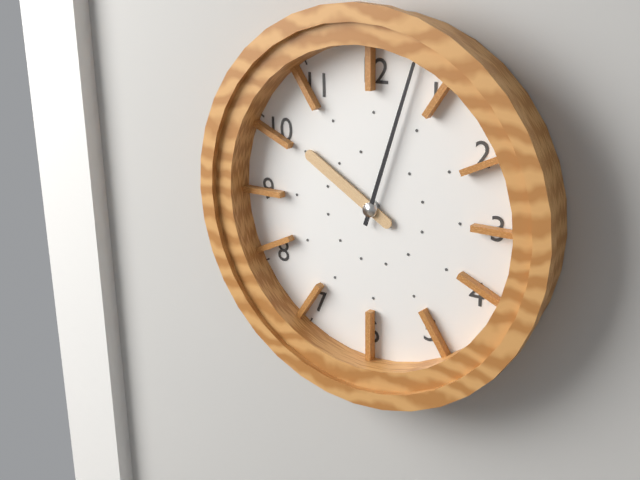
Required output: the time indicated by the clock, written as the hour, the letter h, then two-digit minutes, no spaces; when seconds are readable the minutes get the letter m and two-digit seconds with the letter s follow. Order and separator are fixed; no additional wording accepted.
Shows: 10h03
